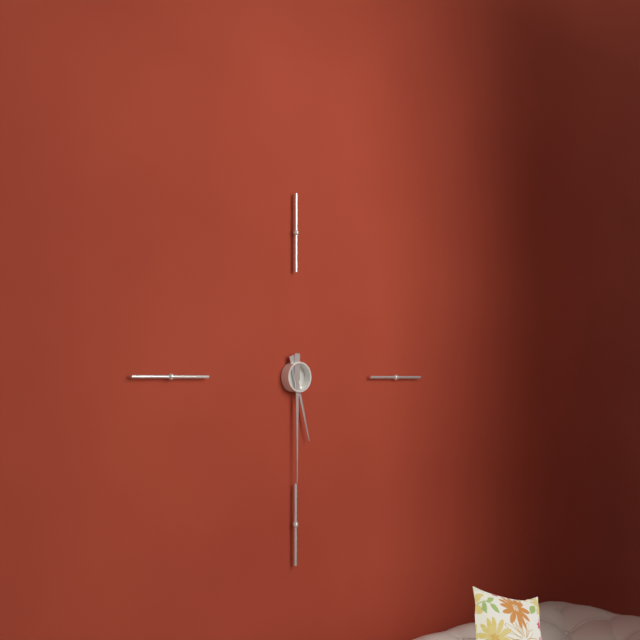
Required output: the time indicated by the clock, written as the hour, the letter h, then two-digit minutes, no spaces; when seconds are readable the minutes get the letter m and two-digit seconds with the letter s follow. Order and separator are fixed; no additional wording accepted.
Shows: 5h30
